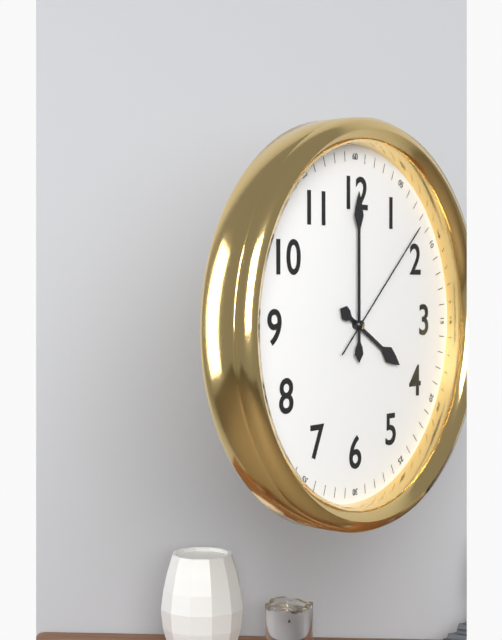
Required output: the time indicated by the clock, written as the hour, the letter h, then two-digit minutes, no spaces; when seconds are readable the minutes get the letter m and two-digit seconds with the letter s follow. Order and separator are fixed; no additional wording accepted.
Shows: 4h00m08s
